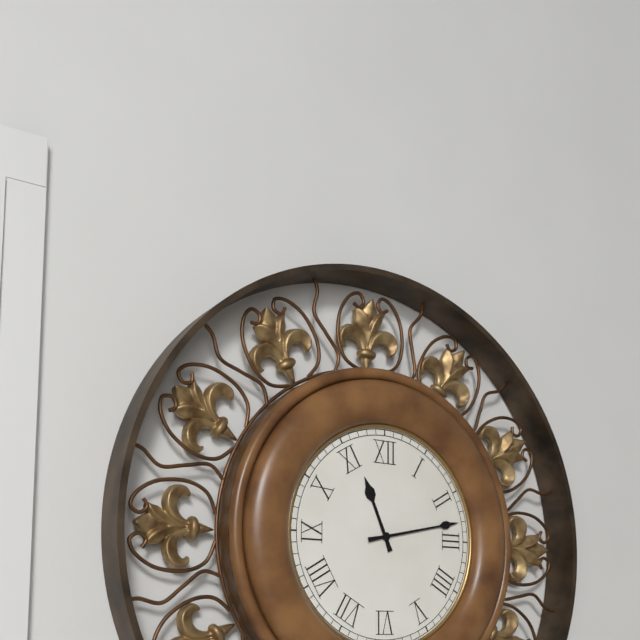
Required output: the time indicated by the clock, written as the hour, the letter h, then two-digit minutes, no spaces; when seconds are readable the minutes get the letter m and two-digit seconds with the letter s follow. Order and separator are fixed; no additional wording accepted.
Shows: 11h13
